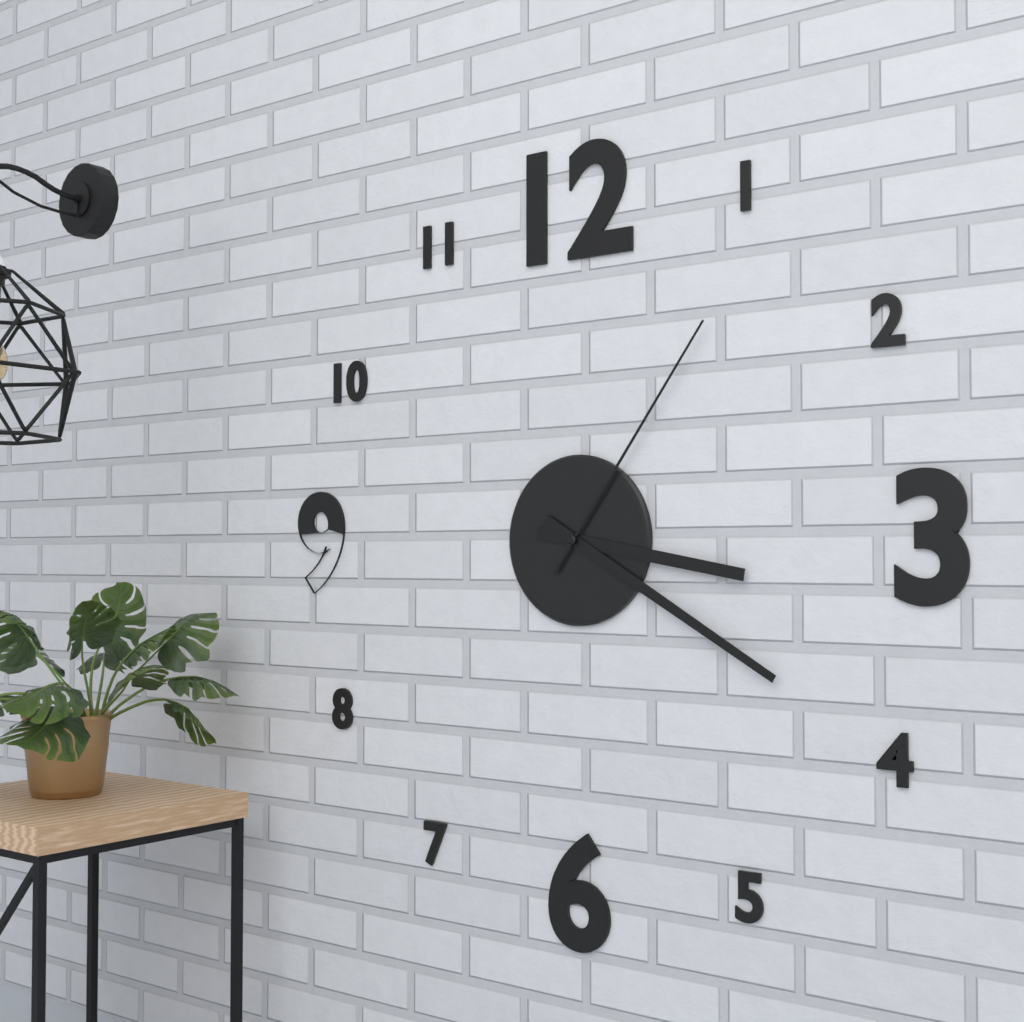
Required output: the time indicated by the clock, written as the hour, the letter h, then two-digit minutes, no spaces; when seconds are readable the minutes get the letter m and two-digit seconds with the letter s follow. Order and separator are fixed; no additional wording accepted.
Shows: 3h20m06s
